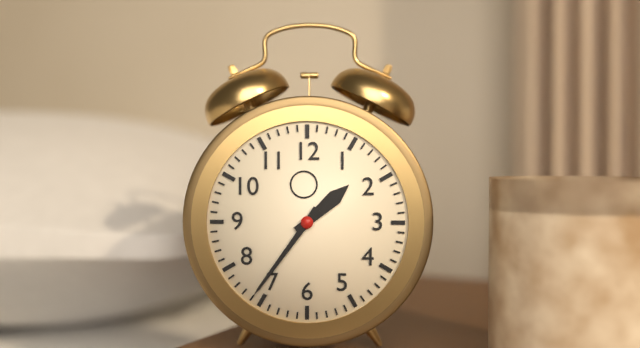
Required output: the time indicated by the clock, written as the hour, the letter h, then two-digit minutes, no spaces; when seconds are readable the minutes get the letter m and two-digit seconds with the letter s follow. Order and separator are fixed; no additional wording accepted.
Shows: 1h36
